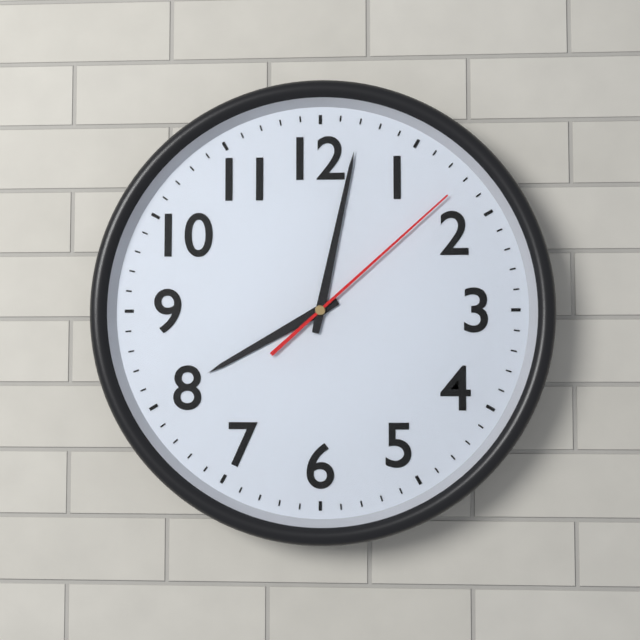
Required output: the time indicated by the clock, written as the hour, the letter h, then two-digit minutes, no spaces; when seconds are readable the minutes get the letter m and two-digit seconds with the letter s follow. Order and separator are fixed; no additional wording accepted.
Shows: 8h02m08s
